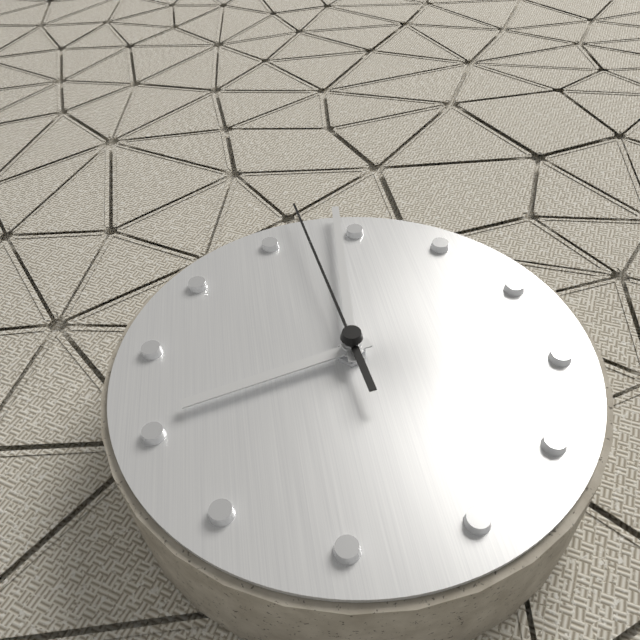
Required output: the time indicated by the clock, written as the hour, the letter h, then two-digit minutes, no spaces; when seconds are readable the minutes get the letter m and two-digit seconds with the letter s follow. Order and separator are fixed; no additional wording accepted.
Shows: 10h09m07s
